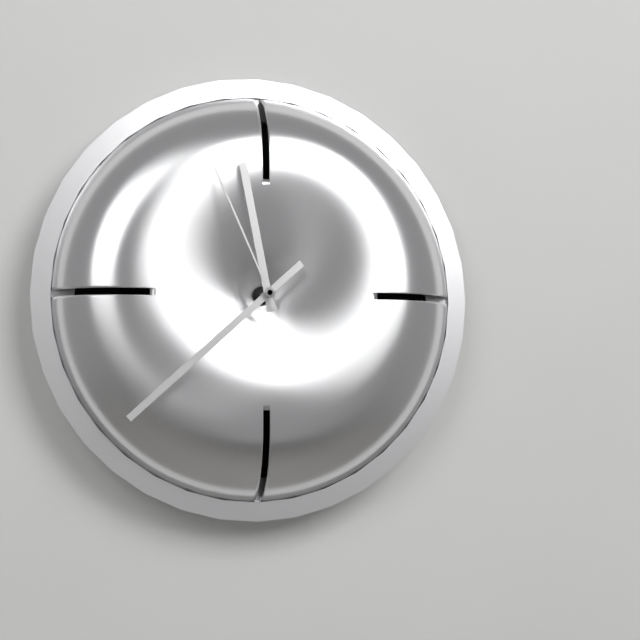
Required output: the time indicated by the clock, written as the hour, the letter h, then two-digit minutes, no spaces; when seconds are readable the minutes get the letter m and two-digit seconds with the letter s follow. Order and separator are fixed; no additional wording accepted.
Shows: 11h38m56s
